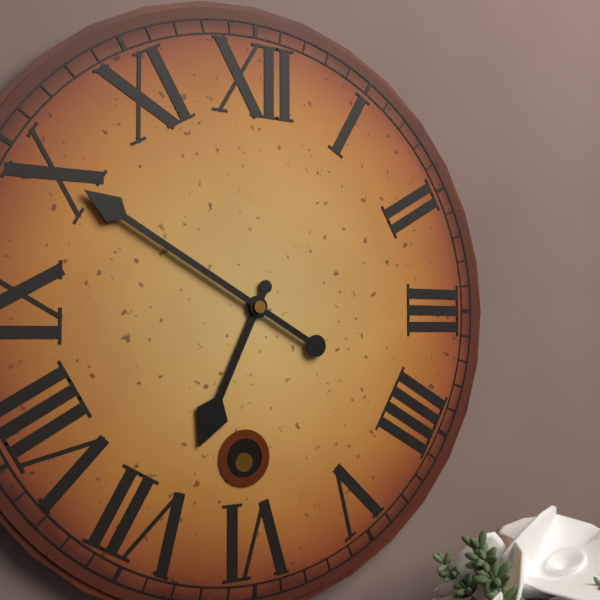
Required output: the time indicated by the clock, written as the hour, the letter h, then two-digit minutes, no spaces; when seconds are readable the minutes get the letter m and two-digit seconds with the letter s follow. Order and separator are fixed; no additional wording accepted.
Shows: 6h50
